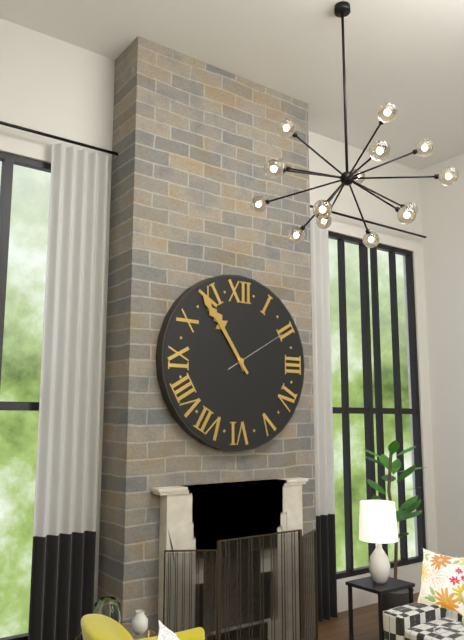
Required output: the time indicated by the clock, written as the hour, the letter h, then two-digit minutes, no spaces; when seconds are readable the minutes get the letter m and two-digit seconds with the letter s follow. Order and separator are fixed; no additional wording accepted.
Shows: 10h54m10s
